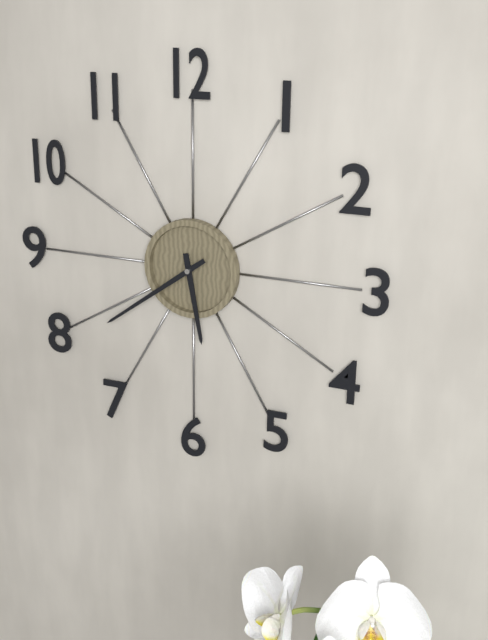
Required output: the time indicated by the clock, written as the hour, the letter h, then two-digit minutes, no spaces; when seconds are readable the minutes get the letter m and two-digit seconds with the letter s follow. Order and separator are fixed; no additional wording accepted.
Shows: 5h39
